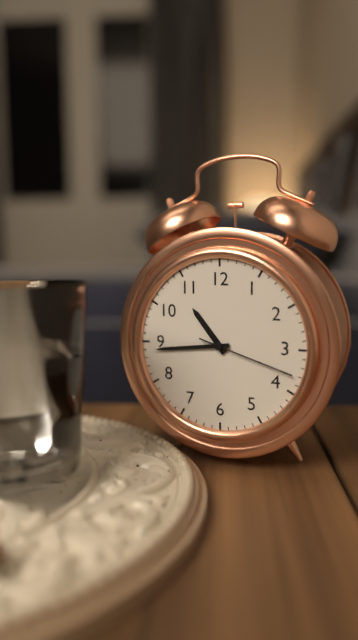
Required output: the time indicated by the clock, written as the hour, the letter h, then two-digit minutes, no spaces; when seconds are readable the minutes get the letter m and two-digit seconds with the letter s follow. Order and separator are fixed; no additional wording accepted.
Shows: 10h44m18s
